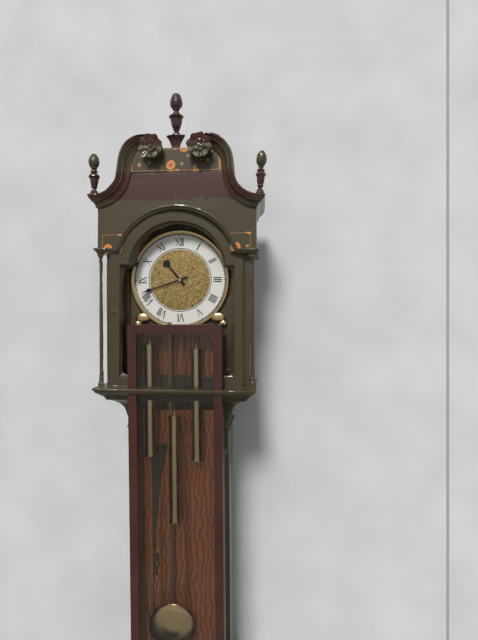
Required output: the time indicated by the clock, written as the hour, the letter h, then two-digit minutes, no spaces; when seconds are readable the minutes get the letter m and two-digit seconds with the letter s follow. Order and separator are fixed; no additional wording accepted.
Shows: 10h42
